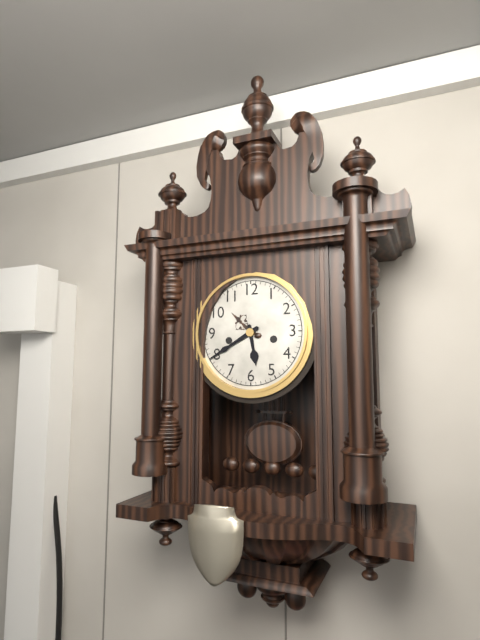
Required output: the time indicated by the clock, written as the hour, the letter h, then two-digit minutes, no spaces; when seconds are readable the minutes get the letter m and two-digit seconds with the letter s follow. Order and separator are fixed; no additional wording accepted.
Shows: 5h40
